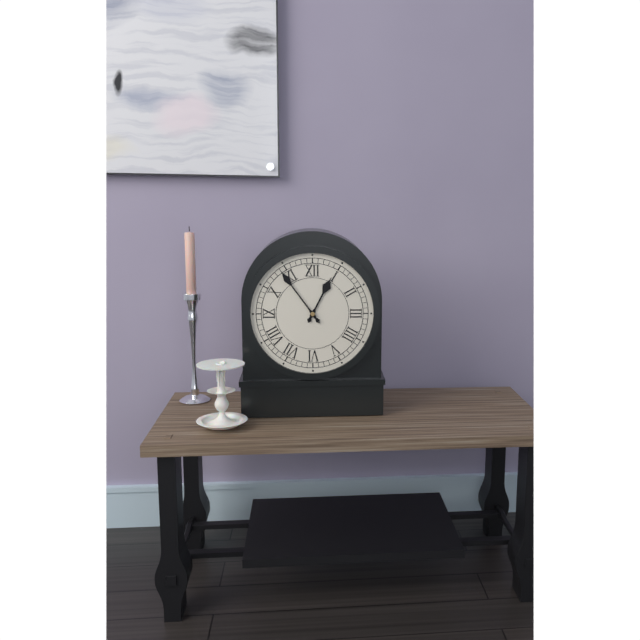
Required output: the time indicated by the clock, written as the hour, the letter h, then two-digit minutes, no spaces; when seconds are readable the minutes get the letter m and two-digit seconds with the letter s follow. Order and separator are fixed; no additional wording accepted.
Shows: 12h54
